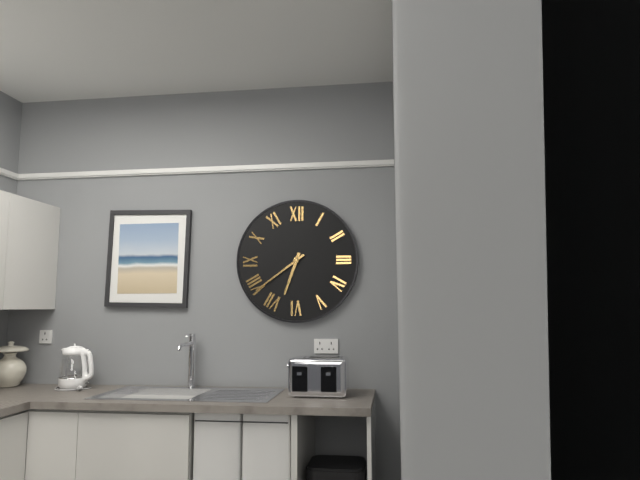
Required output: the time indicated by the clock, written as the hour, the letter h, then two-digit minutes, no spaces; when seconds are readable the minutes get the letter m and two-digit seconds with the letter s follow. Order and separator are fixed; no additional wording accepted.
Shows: 6h39
